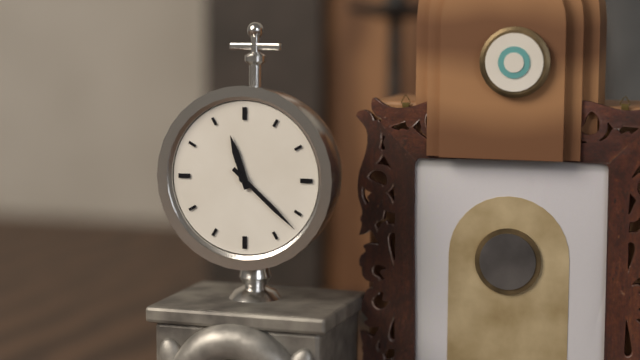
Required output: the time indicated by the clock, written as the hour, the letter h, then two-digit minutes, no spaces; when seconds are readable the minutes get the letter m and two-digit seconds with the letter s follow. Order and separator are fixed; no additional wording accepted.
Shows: 11h22
